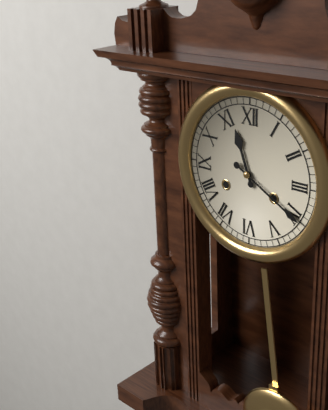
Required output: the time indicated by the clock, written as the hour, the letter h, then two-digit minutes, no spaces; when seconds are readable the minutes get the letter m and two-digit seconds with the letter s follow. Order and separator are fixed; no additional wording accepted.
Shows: 11h20
